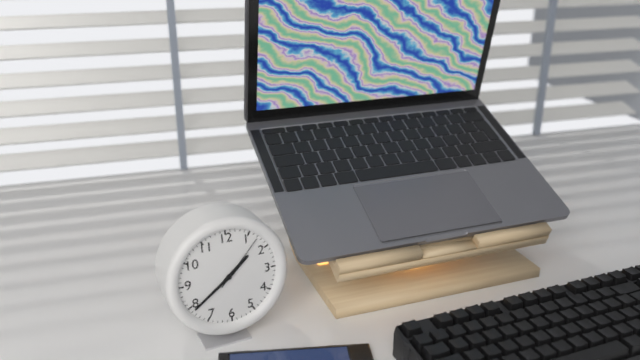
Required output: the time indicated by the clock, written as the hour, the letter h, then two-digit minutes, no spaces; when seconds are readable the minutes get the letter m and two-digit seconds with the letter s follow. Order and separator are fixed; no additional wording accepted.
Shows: 1h39m07s
